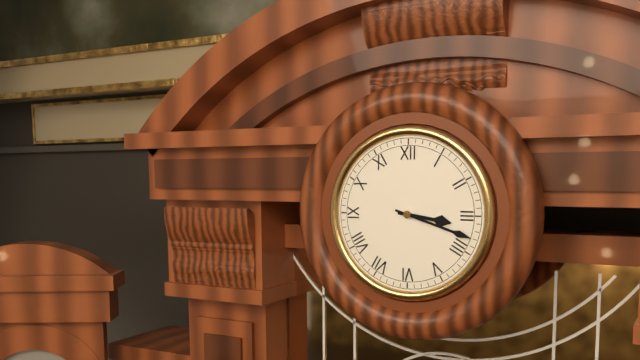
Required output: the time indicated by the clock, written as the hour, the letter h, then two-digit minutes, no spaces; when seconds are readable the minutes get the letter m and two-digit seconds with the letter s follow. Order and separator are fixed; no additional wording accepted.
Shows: 3h18
